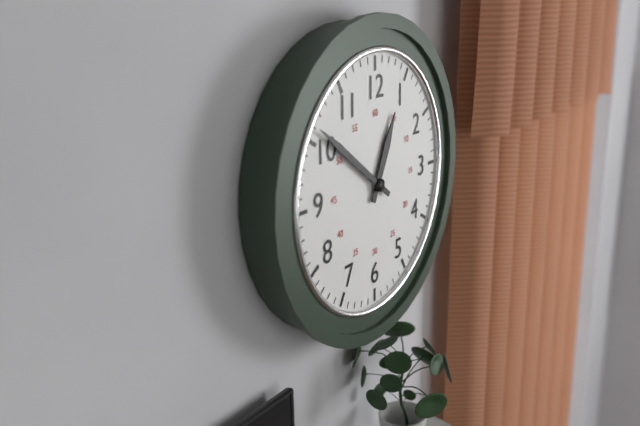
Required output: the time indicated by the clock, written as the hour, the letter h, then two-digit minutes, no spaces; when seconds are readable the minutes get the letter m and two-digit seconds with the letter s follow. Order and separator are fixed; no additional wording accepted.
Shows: 12h51
